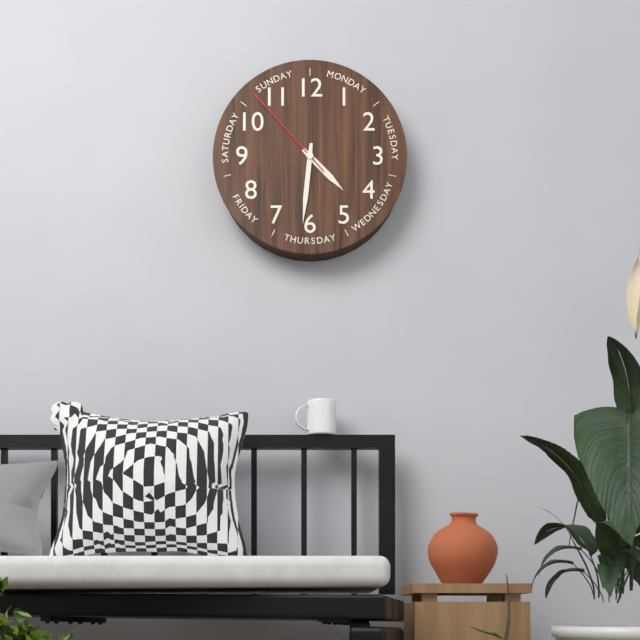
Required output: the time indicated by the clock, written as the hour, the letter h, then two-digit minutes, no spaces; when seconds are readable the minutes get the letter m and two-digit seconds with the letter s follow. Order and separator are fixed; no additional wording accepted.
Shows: 4h31m53s
